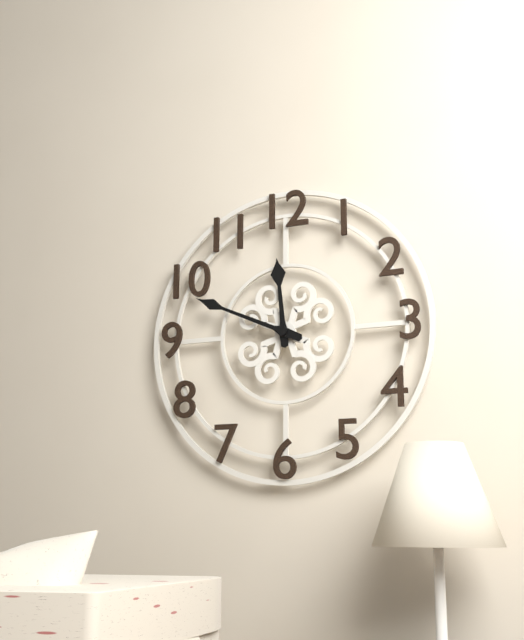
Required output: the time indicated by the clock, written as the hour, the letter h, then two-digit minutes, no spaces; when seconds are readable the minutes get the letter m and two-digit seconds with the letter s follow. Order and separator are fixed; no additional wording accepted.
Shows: 11h49
